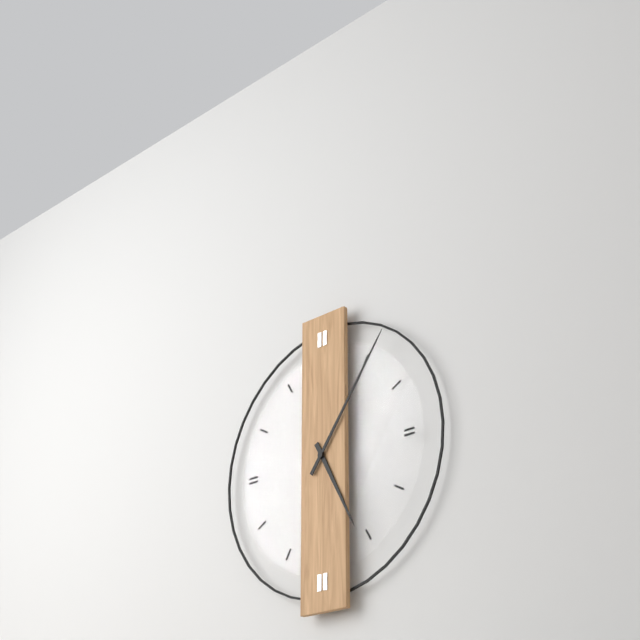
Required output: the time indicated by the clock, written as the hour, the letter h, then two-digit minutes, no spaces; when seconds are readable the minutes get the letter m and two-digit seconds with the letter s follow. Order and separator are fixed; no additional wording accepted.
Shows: 5h06
